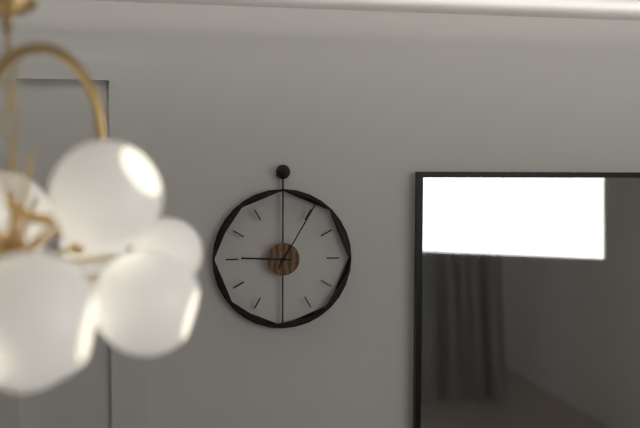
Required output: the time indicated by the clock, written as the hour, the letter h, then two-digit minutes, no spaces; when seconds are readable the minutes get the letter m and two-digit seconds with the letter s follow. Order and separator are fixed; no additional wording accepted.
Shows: 9h05
